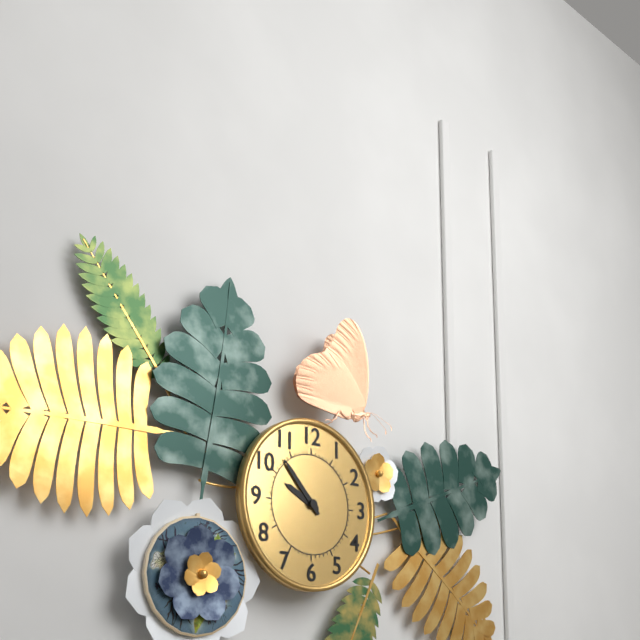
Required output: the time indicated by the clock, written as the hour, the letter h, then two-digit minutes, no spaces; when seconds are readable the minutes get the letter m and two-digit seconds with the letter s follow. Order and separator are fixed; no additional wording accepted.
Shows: 9h53
